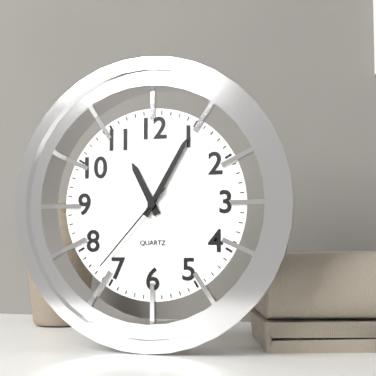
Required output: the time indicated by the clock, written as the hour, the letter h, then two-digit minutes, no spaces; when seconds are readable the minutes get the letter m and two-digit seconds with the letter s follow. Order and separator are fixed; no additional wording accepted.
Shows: 11h05m37s
